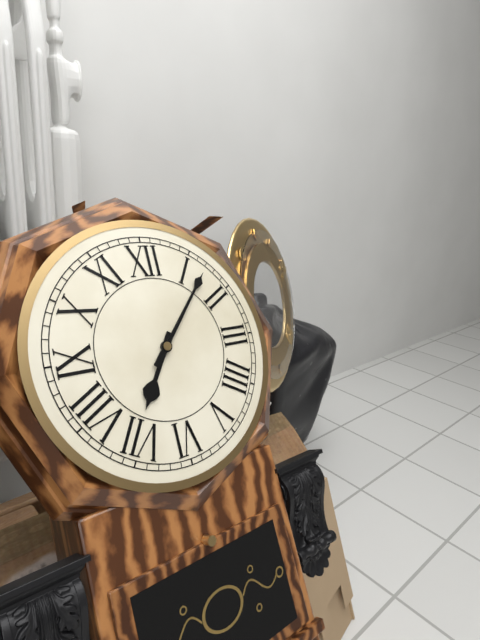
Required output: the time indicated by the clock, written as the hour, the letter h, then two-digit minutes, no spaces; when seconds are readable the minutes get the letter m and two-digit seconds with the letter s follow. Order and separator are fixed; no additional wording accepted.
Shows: 7h07
